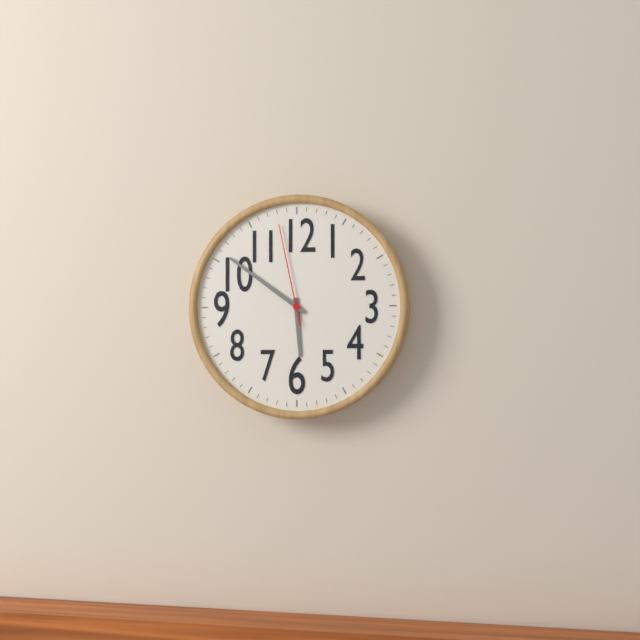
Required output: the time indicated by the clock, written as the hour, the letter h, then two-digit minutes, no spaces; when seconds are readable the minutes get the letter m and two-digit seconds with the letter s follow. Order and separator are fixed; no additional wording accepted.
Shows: 5h51m58s
